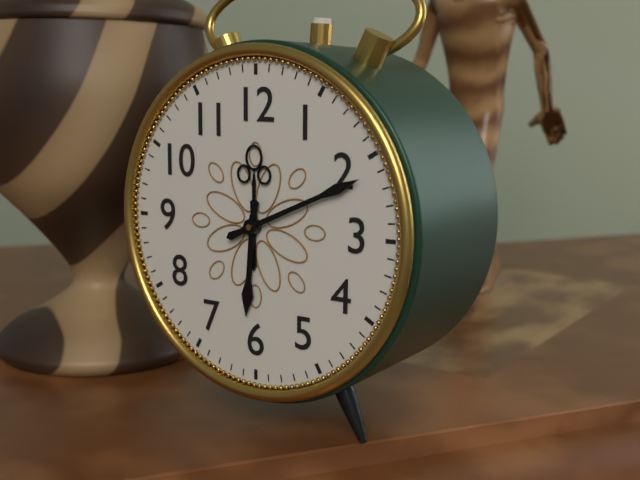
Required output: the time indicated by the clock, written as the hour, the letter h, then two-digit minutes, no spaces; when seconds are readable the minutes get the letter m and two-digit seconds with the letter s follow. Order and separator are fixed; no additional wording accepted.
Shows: 6h11
